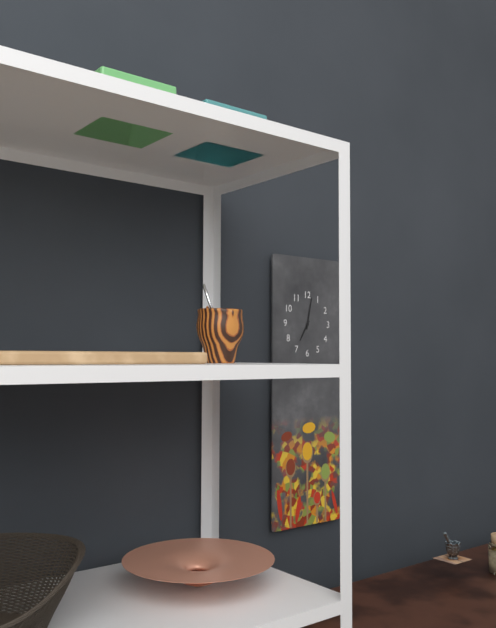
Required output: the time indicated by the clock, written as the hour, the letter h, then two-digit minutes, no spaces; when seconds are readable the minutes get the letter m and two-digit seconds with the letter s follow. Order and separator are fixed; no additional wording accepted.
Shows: 7h02
